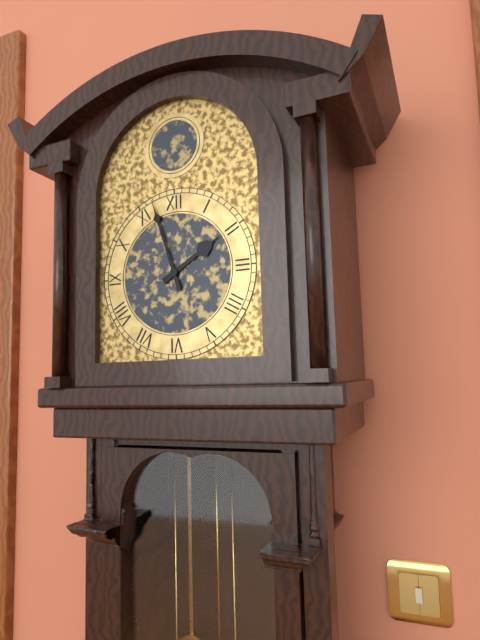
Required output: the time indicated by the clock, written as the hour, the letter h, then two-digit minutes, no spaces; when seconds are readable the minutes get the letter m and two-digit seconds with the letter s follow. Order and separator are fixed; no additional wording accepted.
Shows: 1h57
